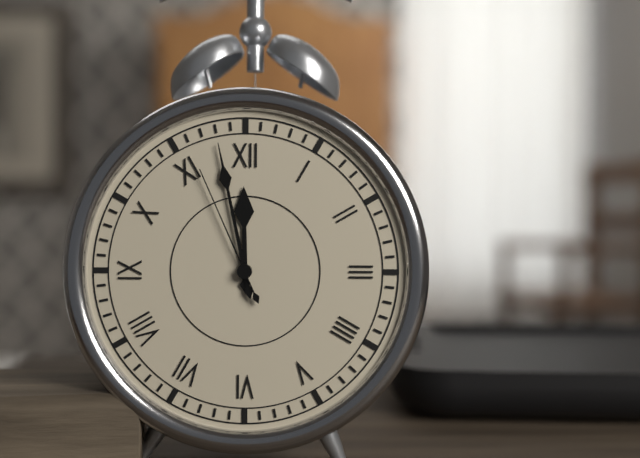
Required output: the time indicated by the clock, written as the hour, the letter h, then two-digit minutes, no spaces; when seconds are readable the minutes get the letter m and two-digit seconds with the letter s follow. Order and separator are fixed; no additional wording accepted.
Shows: 11h58m56s
